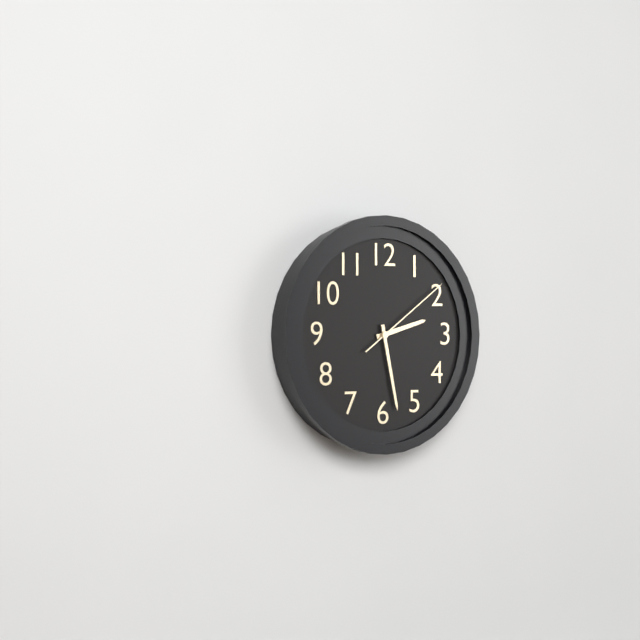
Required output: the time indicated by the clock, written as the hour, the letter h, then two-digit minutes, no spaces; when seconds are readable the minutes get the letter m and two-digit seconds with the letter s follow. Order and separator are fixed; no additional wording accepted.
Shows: 2h28m09s
